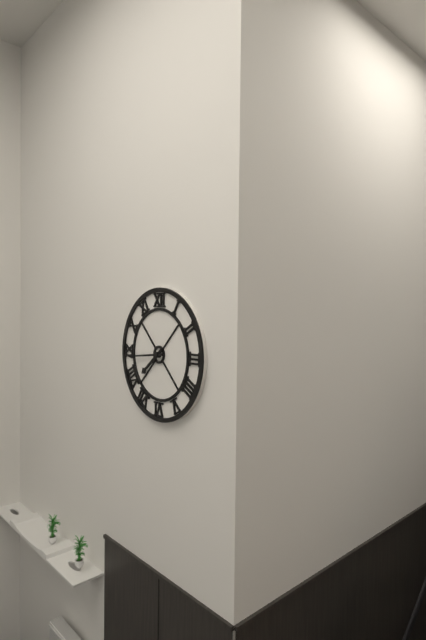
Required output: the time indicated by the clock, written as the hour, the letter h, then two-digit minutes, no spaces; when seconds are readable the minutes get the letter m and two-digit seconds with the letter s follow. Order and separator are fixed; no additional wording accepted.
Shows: 7h44
